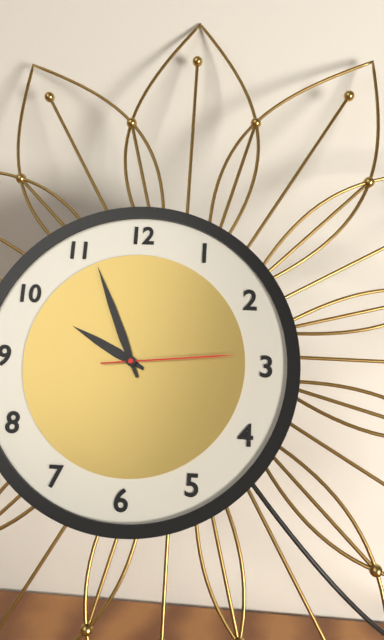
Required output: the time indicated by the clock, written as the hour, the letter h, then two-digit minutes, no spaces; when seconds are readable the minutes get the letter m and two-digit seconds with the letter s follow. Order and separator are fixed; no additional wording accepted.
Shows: 9h56m14s
